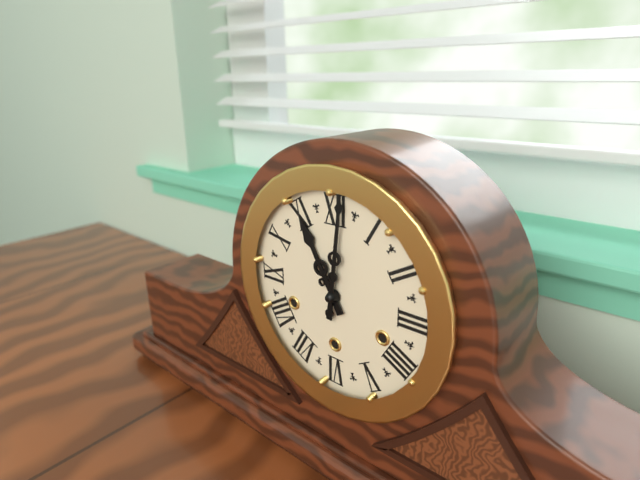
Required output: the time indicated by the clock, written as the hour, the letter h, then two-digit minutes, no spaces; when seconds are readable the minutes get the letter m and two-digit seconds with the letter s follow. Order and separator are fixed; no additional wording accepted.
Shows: 11h01
